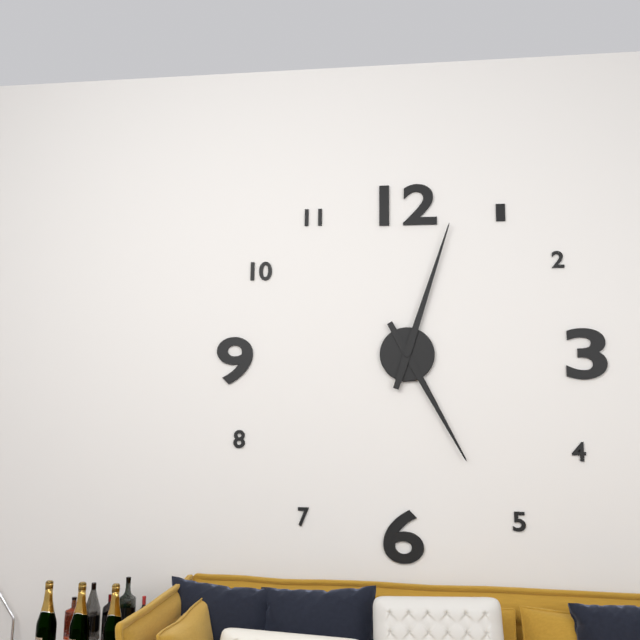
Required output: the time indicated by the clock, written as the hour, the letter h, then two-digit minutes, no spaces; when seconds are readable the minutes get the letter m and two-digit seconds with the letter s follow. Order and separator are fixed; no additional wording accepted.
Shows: 5h03
